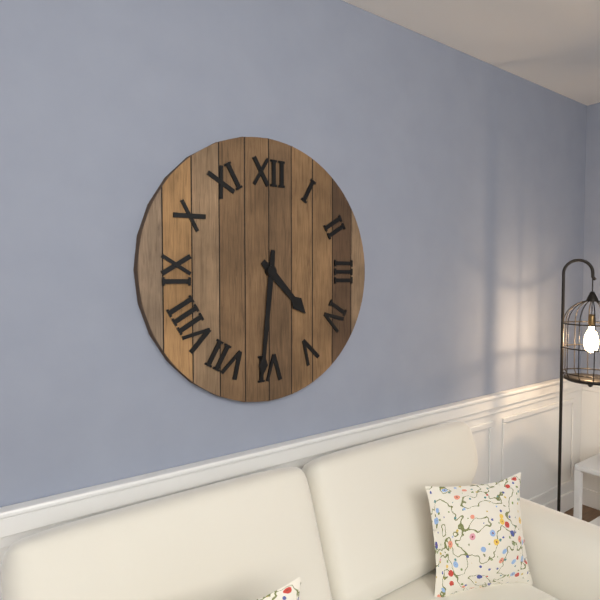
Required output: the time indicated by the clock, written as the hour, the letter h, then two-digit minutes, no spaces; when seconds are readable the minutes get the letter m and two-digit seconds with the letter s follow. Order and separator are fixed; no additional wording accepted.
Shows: 4h31
